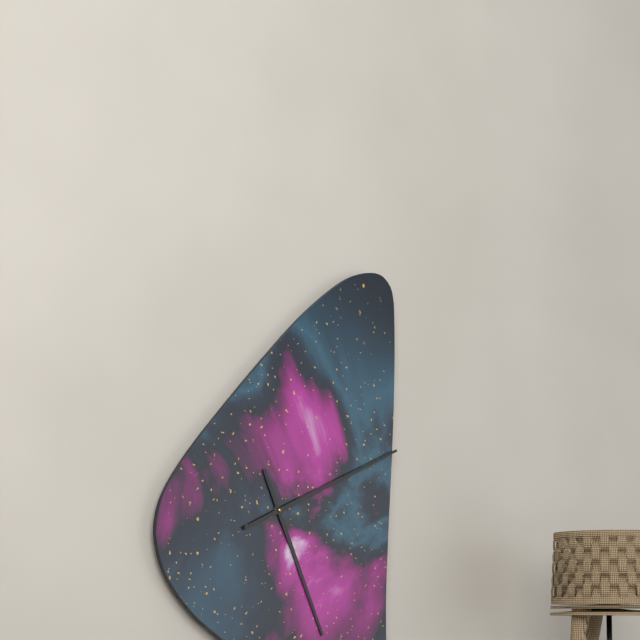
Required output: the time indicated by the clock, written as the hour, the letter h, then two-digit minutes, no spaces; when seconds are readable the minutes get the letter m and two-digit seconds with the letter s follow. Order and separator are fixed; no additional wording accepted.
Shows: 5h11
